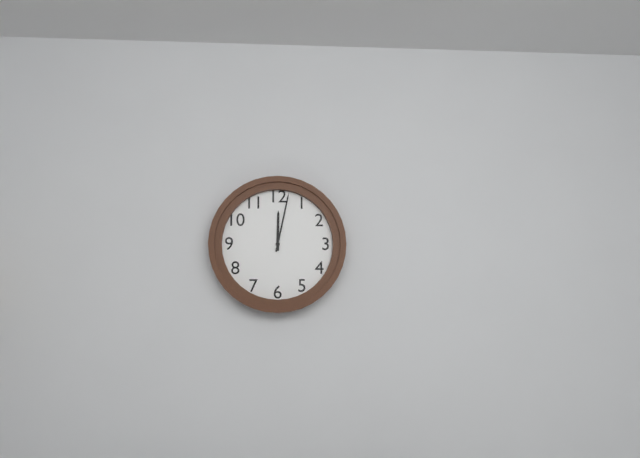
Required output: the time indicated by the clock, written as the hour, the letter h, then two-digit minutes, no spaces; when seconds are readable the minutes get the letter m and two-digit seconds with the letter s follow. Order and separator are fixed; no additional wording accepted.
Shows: 12h02
